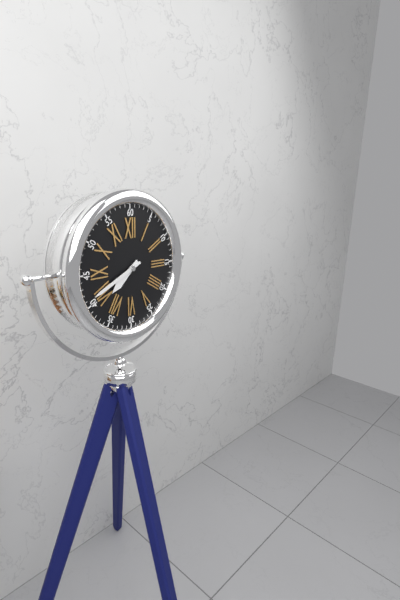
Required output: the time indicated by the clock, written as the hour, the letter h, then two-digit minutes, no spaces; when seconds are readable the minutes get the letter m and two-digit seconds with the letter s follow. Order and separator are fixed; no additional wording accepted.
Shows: 7h41
